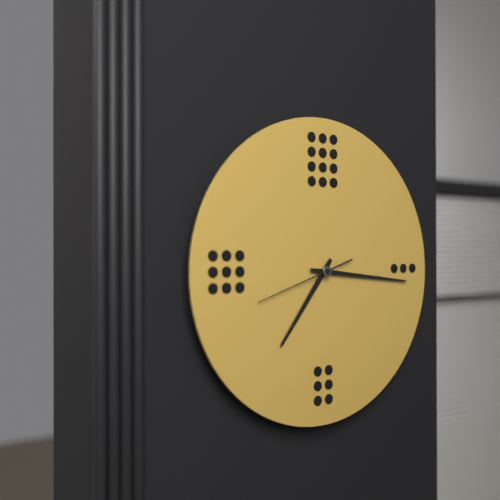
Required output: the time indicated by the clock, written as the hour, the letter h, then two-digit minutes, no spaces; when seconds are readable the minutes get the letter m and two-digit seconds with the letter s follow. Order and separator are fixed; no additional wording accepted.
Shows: 7h16m42s
